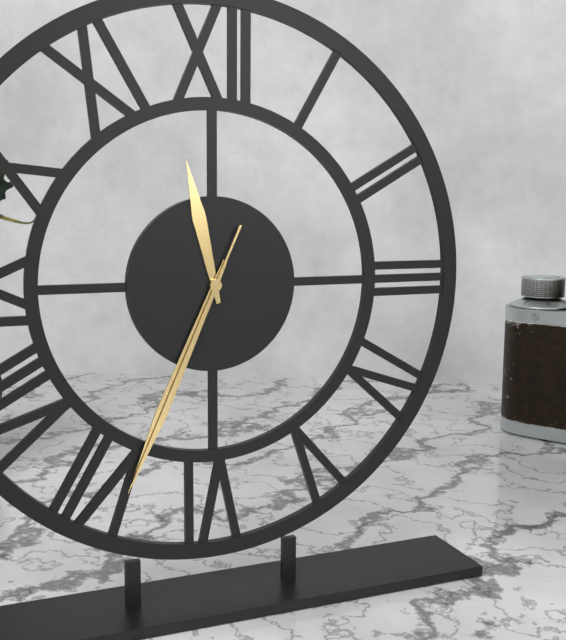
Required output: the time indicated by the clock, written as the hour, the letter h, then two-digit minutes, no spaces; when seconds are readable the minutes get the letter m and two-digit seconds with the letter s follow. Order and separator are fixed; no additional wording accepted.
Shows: 11h34m34s
